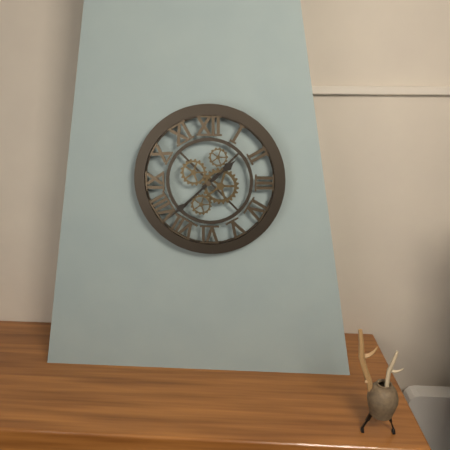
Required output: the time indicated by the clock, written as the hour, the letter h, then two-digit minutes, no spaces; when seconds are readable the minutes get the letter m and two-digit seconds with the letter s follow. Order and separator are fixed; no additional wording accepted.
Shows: 1h38
